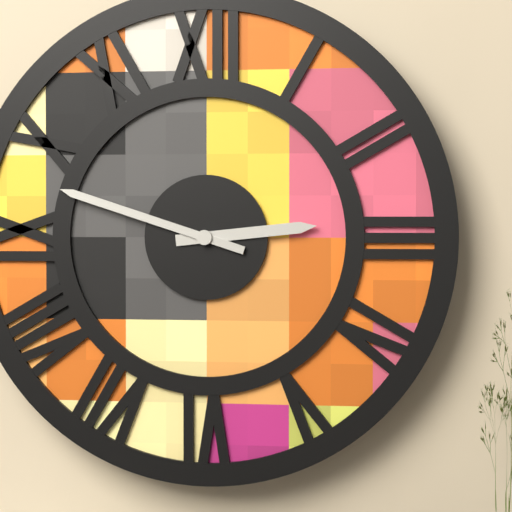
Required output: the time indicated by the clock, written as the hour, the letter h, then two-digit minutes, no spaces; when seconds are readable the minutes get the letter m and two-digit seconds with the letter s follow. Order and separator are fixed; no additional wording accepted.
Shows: 2h48
